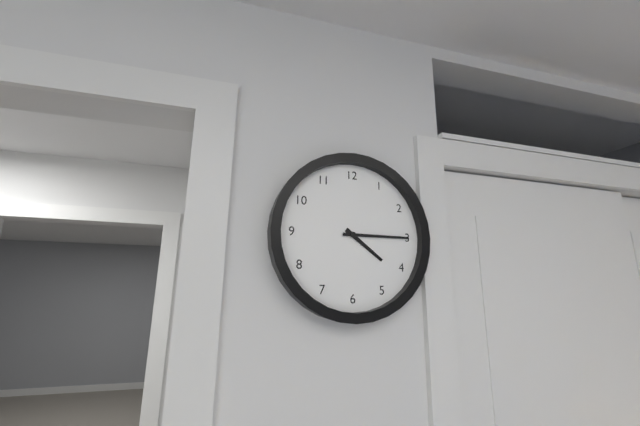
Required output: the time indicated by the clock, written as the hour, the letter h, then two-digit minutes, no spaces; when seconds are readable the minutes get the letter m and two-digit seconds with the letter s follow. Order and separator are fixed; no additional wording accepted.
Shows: 4h15
